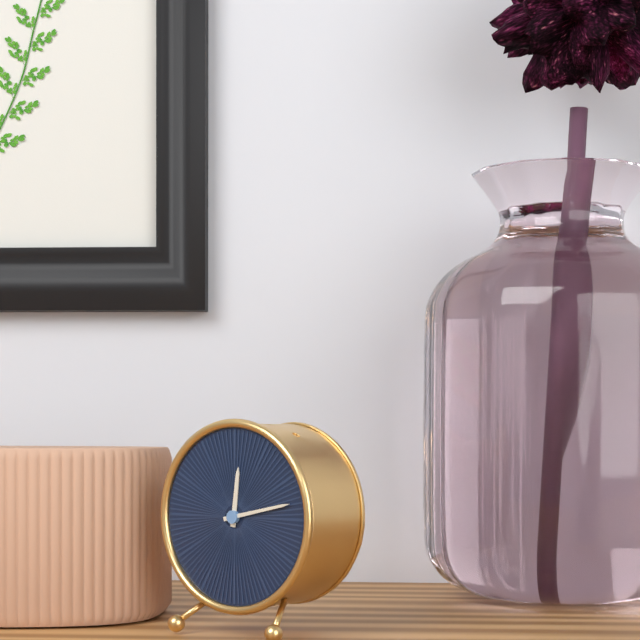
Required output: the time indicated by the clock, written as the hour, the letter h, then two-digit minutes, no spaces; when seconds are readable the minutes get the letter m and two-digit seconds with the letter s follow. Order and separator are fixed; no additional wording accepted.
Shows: 12h13
